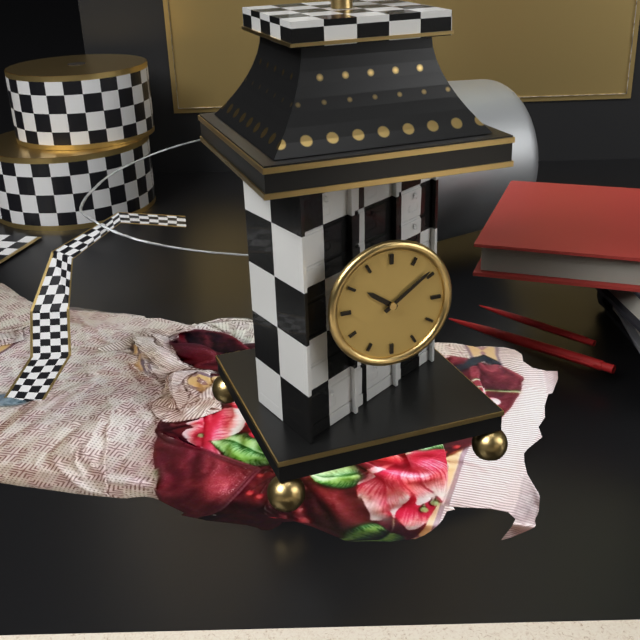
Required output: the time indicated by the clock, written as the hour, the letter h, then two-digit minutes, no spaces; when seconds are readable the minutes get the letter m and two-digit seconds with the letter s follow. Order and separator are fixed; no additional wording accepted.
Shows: 10h09
